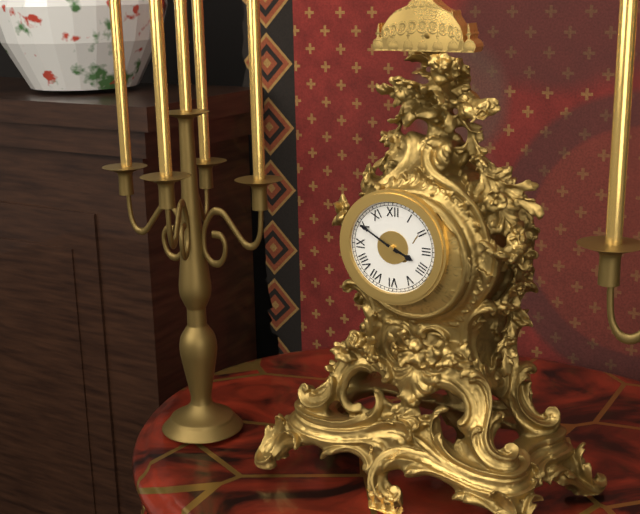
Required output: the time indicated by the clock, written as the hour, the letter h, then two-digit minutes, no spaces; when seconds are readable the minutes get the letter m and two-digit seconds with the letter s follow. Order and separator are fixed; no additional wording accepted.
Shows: 3h50
